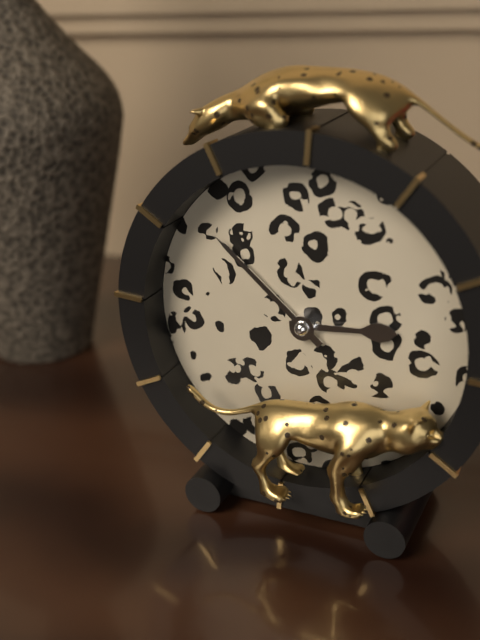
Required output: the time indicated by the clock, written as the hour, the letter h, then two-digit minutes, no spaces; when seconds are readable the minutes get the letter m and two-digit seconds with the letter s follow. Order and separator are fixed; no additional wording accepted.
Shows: 2h52
